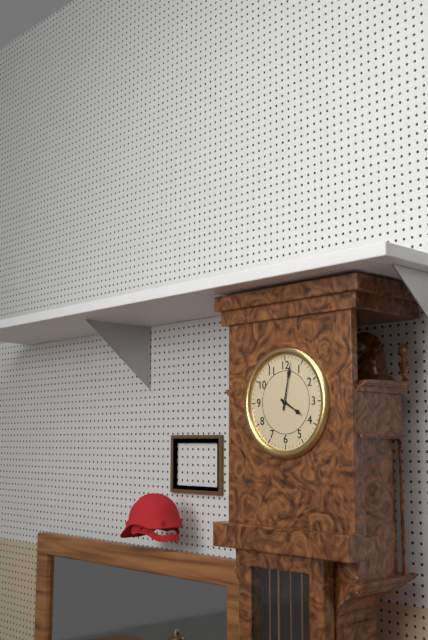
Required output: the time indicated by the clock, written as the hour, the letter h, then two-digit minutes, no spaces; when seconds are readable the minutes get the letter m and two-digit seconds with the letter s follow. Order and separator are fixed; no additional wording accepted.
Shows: 4h02
